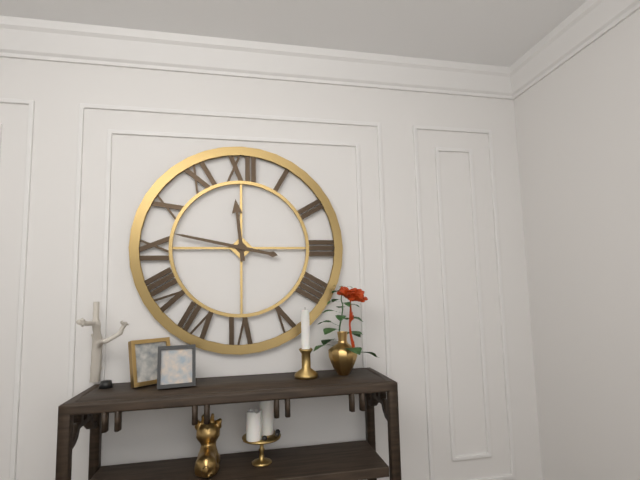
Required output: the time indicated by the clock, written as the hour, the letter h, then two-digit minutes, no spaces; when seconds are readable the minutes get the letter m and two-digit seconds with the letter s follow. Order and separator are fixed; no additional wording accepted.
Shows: 11h47
